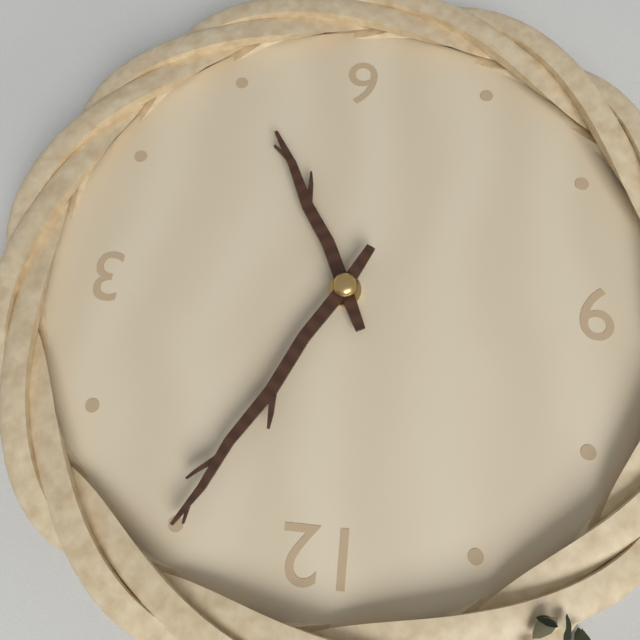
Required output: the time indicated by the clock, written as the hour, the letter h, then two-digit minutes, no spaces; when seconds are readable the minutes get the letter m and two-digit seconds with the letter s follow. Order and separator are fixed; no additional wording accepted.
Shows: 5h05
